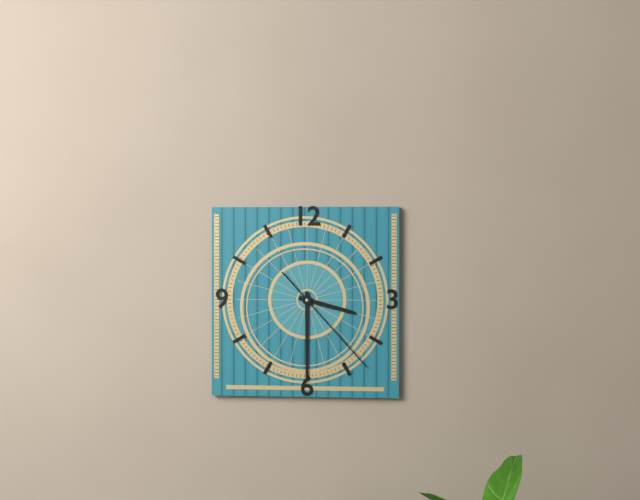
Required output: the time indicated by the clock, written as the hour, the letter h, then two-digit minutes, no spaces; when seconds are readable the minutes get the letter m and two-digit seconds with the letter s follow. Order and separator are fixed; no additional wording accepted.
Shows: 3h30m23s
